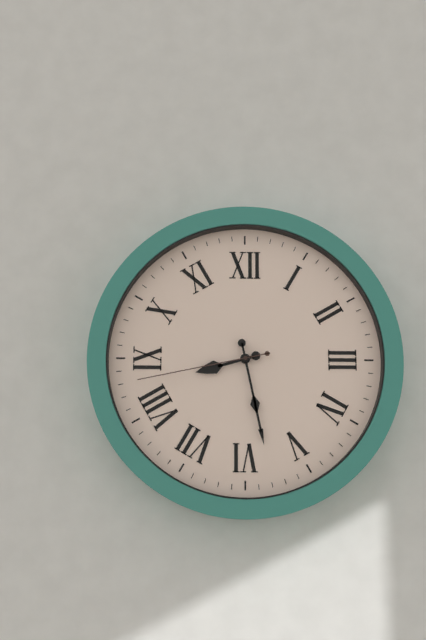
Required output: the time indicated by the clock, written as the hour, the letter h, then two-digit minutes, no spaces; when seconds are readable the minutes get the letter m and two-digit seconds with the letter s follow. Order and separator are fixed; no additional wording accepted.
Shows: 8h28m43s
